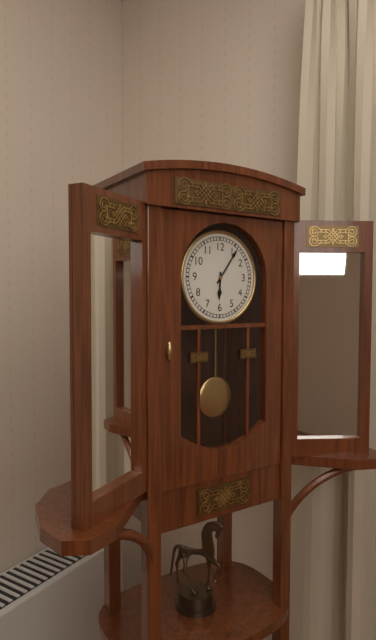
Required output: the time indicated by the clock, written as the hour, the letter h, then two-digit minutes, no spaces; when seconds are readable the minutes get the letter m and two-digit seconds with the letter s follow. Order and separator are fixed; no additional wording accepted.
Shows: 6h06
